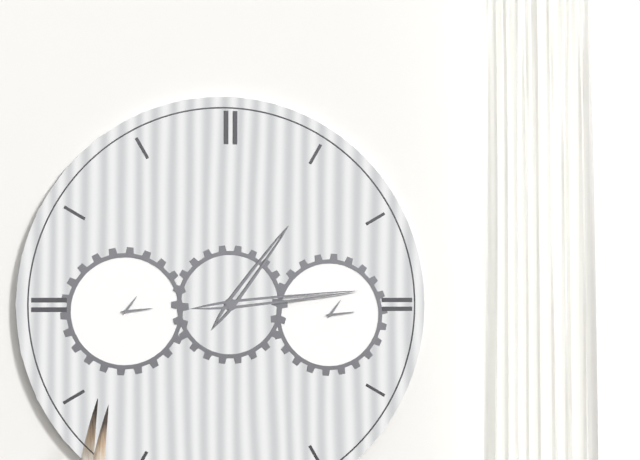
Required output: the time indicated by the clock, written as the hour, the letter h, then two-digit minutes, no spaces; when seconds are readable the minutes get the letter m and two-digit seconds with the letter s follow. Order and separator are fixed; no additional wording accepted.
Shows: 1h14
